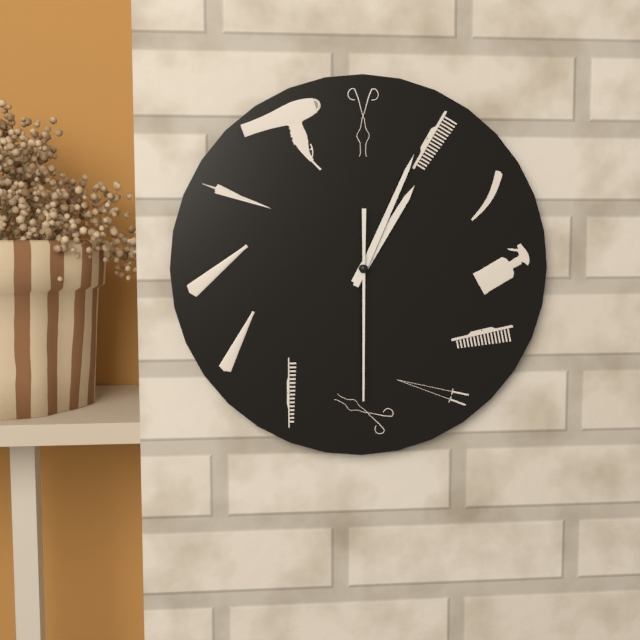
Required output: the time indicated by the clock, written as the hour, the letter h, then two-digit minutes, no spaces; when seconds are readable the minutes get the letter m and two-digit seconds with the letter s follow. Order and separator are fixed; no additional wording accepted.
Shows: 1h04m30s
